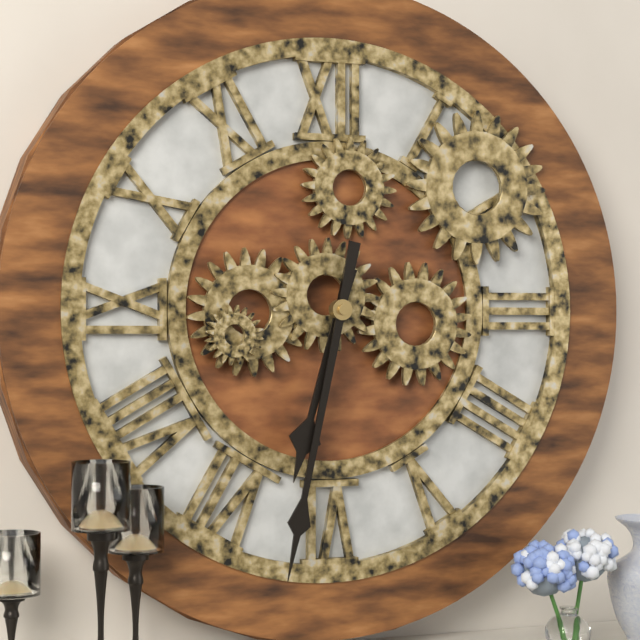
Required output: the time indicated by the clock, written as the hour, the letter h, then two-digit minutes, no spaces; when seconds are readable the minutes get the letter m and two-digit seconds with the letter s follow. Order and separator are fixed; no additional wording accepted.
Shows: 6h32
